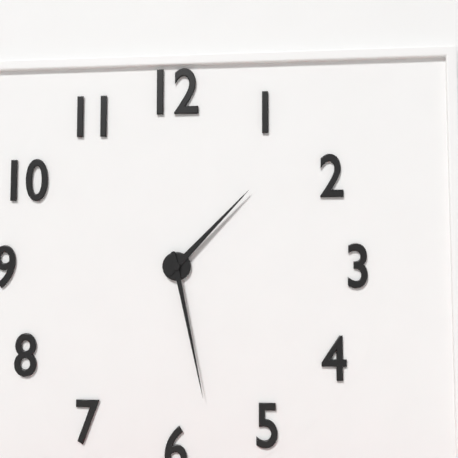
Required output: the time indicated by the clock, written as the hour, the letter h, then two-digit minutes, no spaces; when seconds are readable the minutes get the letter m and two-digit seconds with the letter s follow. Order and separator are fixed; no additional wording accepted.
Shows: 1h28
